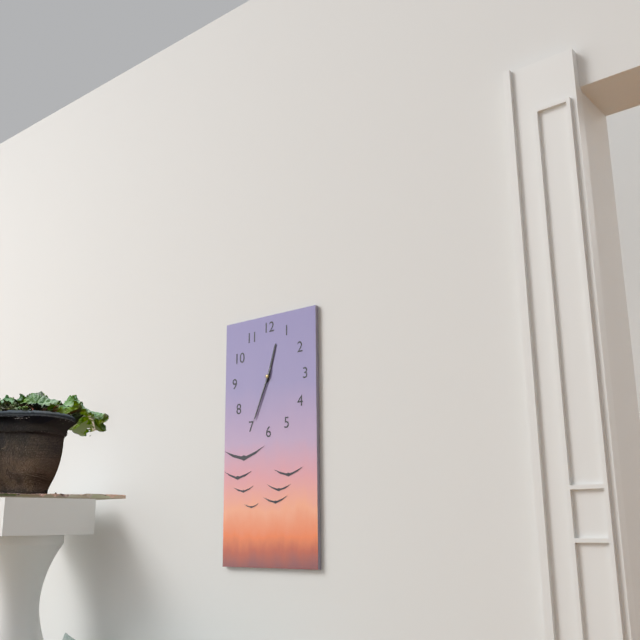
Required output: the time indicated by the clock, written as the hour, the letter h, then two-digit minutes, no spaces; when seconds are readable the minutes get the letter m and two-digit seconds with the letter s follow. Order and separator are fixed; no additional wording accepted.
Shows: 12h34m34s
